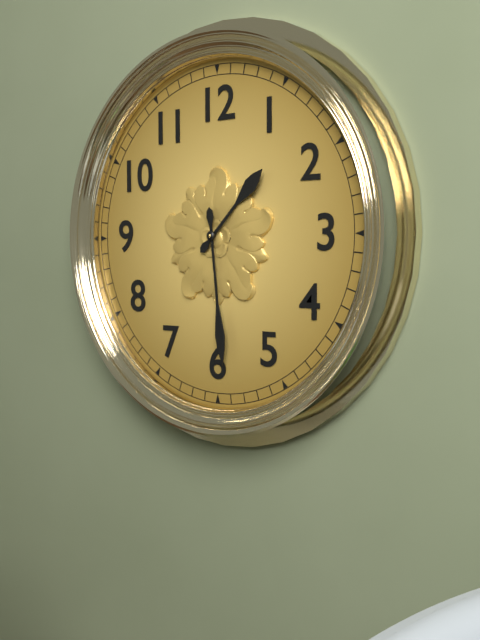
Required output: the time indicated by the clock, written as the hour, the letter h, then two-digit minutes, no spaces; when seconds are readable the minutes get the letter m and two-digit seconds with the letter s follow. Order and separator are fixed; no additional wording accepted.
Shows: 1h29
